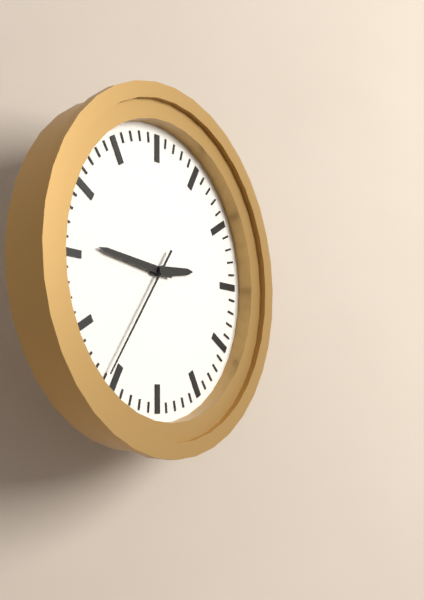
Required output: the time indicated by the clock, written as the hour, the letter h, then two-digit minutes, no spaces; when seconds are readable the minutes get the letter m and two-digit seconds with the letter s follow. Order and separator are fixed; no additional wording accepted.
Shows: 2h46m36s
